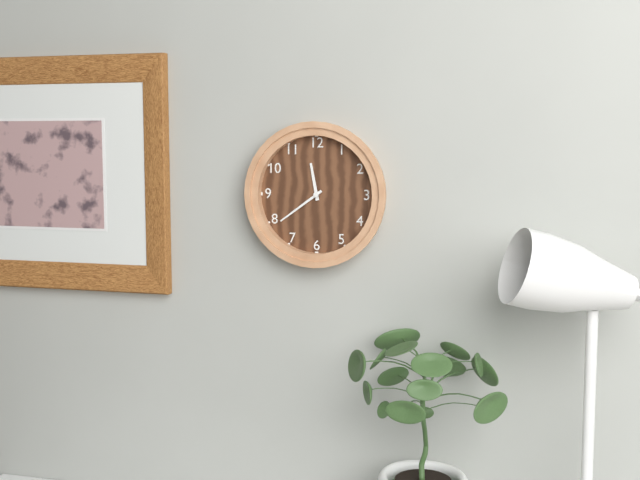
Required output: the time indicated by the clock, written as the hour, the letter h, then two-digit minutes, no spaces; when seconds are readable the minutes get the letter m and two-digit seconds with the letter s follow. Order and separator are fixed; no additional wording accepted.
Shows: 11h39
